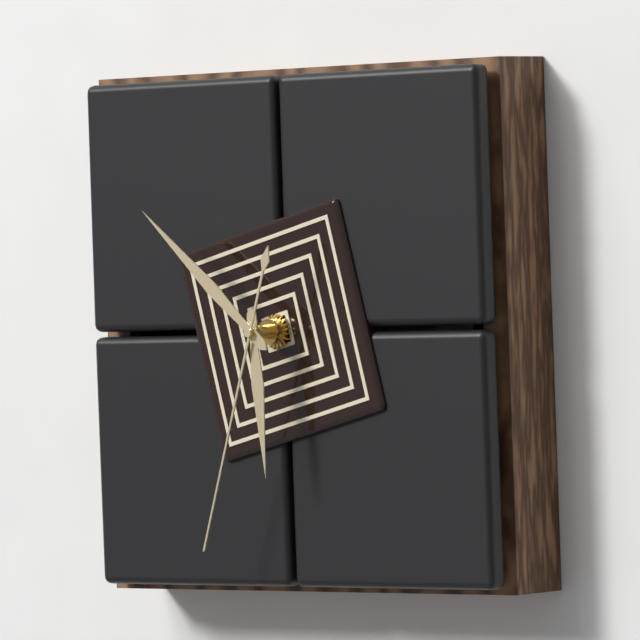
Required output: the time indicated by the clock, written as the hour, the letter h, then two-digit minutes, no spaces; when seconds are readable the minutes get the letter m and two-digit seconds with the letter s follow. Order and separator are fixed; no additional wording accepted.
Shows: 5h52m33s
